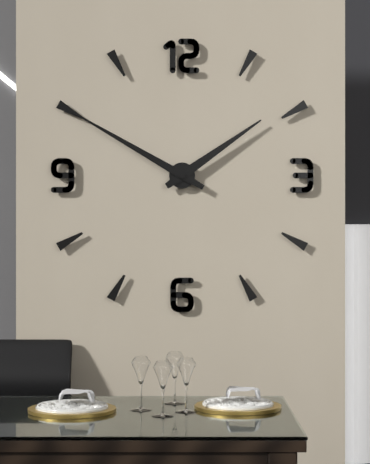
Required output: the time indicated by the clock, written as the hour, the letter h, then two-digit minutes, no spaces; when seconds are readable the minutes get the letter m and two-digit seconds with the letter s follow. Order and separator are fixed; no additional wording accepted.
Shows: 1h50
